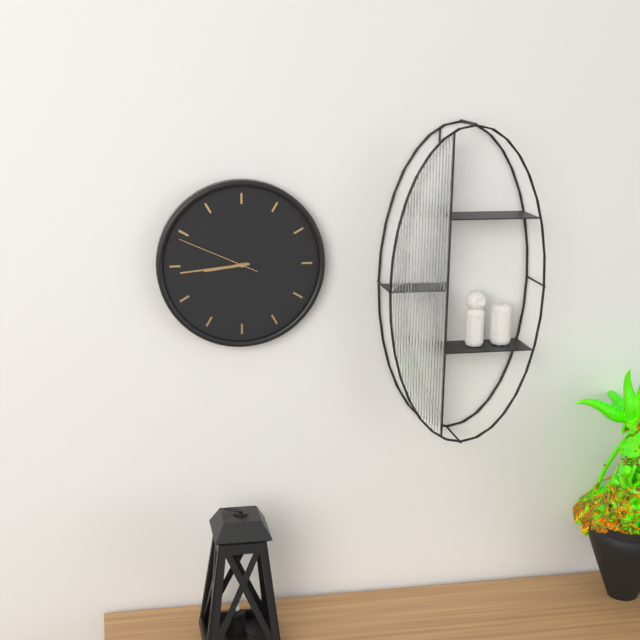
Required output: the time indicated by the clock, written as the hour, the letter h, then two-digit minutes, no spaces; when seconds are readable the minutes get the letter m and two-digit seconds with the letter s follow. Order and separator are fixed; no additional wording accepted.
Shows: 8h44m49s
